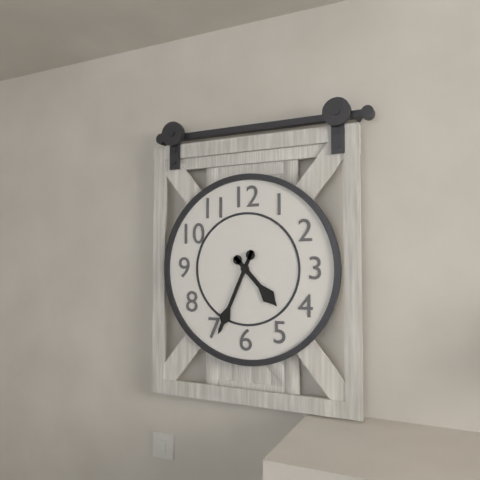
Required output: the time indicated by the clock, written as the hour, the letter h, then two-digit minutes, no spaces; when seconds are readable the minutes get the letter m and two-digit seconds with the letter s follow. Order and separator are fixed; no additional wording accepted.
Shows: 4h34
